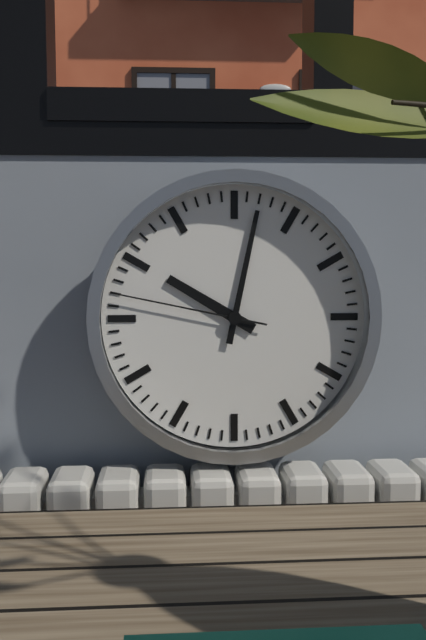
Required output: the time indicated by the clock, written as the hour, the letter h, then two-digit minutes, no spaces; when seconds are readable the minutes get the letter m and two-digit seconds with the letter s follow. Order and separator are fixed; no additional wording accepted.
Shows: 10h02m47s
